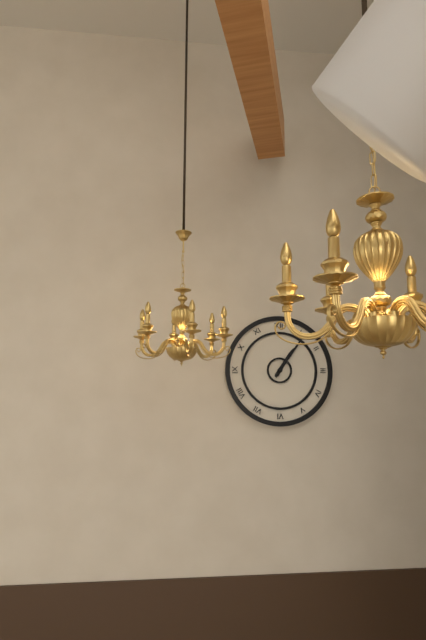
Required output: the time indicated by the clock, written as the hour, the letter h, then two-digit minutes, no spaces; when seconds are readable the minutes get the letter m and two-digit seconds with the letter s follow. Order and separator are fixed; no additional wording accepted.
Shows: 1h06
